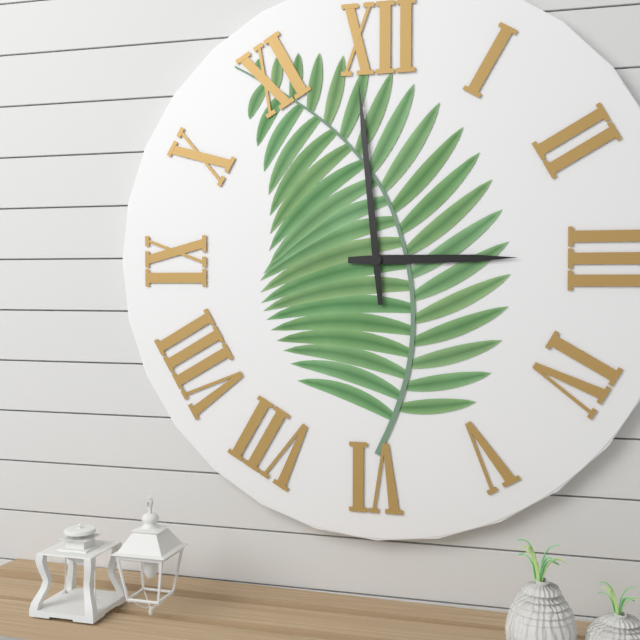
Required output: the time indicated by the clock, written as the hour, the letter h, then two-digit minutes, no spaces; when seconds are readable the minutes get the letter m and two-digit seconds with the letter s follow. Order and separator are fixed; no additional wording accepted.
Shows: 2h59
